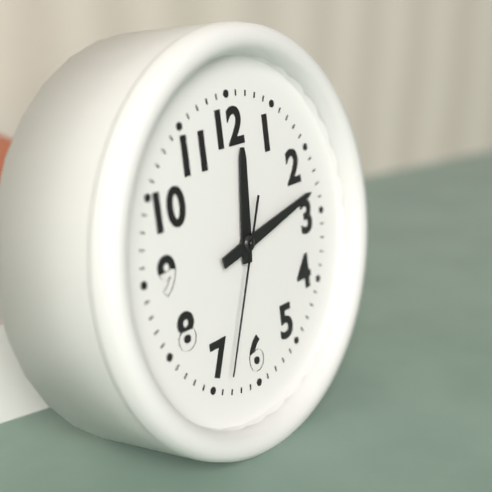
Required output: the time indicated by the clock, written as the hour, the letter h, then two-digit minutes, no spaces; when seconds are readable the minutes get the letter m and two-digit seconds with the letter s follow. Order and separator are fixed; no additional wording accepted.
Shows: 12h13m34s
